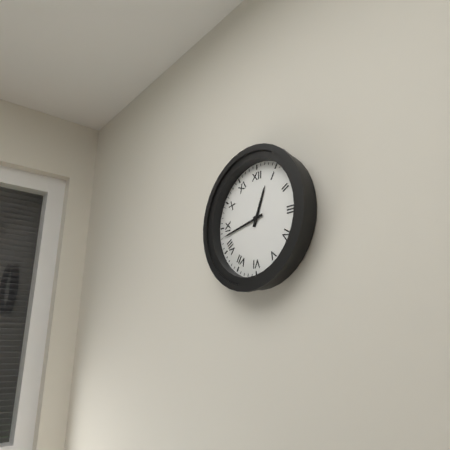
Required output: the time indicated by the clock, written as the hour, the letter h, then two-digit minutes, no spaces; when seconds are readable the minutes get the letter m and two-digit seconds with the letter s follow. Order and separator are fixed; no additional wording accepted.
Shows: 12h43
